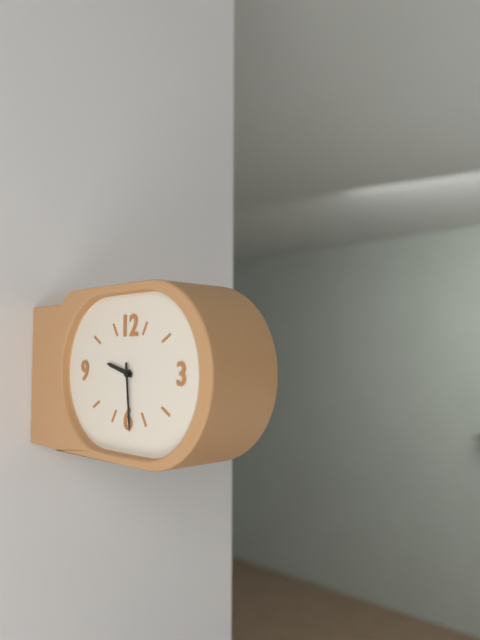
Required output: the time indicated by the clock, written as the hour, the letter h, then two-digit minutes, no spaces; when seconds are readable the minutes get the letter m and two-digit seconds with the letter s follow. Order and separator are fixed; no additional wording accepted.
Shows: 9h29
